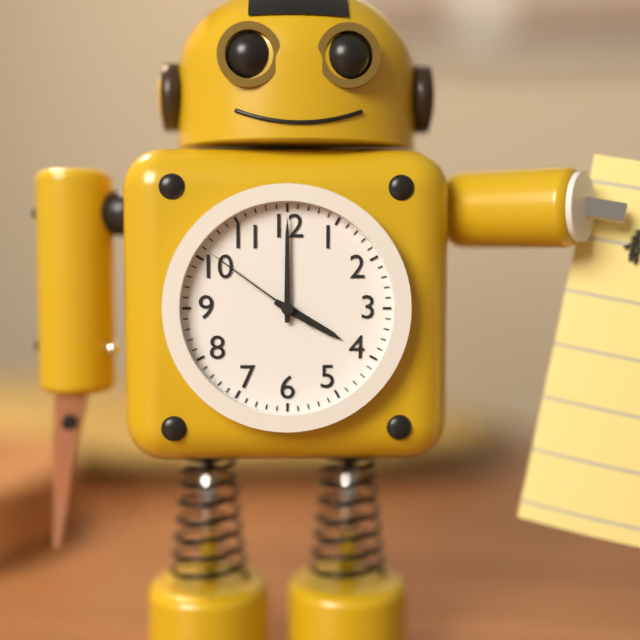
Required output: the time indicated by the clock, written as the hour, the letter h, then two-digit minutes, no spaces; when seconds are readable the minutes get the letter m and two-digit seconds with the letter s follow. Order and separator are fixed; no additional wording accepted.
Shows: 4h00m51s
